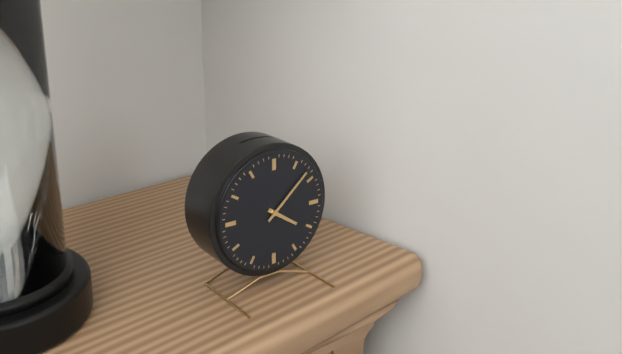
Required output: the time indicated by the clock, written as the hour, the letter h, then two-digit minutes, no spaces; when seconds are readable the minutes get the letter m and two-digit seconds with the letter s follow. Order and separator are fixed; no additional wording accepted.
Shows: 4h08
